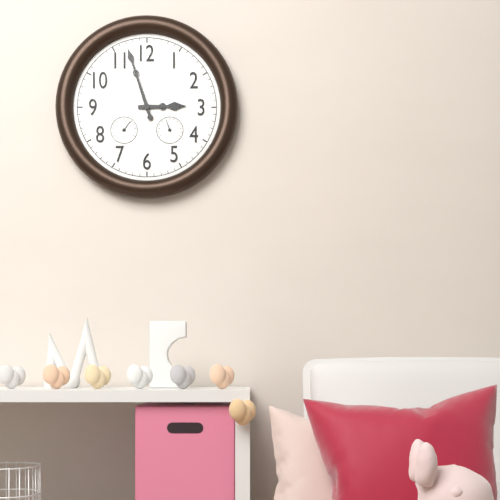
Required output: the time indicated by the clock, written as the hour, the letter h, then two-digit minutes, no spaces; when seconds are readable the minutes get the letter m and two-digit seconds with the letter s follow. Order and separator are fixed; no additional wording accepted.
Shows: 2h57
